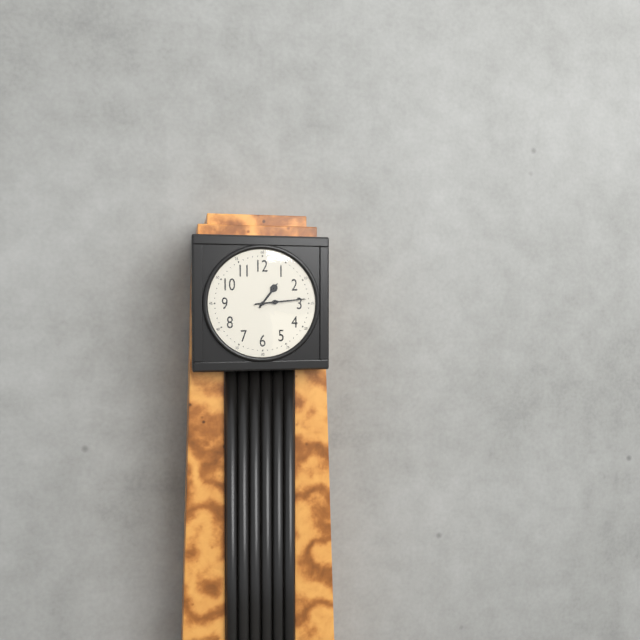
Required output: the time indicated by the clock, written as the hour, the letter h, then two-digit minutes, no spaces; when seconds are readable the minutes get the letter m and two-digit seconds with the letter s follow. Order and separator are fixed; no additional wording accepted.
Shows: 1h14
